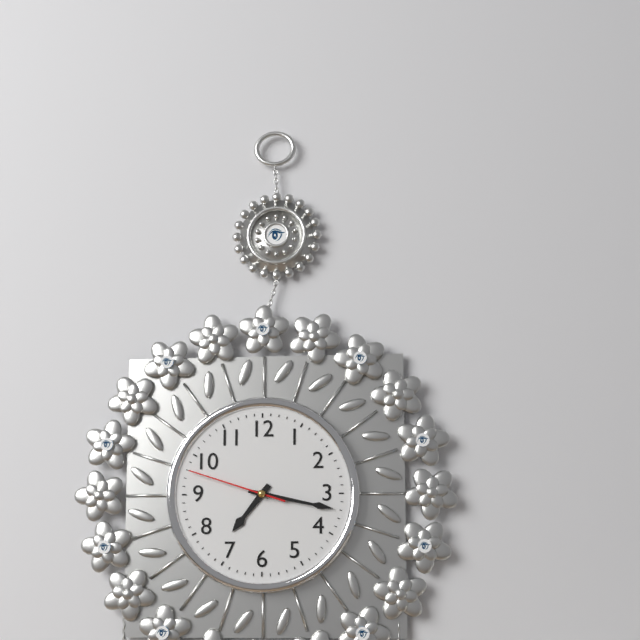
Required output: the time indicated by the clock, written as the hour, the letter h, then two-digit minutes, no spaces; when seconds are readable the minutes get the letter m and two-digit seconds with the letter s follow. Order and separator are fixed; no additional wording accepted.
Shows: 7h17m48s
